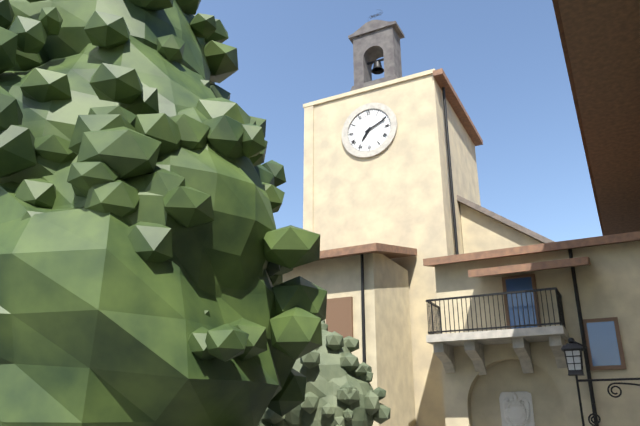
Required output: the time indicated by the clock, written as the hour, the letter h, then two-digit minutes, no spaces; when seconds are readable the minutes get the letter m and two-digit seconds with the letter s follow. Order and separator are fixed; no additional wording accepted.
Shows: 7h11
